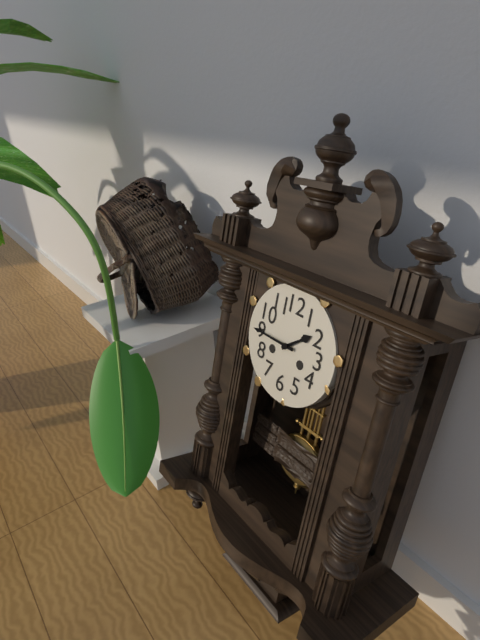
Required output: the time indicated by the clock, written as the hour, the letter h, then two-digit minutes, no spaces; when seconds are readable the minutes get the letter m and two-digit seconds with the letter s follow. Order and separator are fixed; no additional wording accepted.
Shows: 1h45
